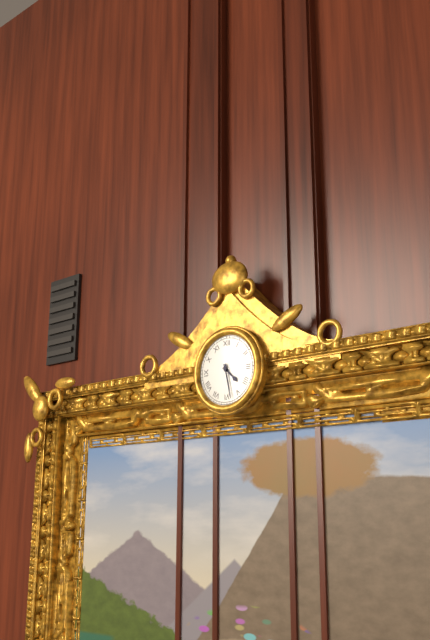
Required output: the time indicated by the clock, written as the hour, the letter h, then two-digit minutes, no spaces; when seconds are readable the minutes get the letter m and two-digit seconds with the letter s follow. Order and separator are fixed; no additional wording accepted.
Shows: 4h28
